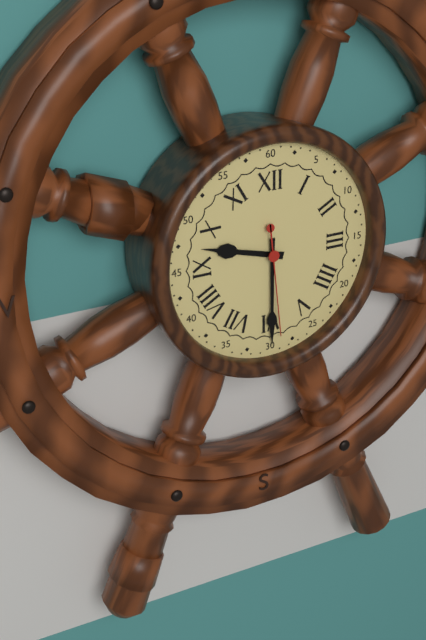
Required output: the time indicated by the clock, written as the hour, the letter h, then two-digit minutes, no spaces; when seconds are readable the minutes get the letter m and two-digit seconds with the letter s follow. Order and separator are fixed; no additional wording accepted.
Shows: 9h30m29s
